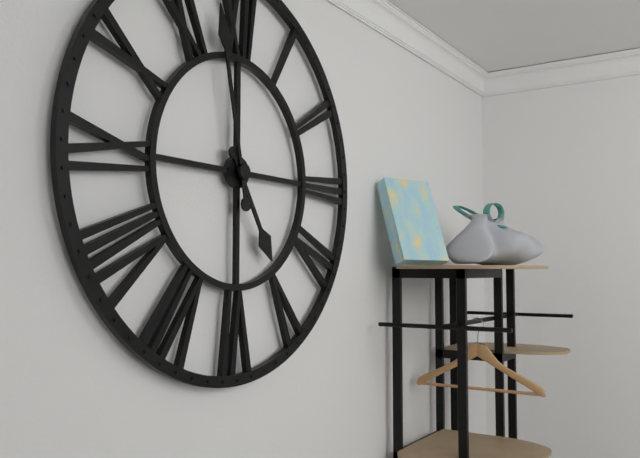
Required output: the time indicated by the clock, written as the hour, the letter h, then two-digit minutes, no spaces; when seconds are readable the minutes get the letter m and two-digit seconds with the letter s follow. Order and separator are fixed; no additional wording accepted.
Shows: 4h58
